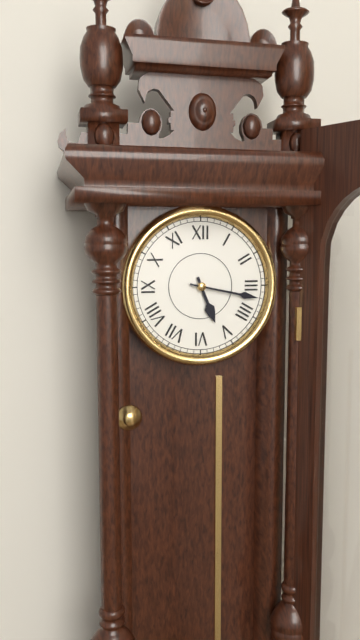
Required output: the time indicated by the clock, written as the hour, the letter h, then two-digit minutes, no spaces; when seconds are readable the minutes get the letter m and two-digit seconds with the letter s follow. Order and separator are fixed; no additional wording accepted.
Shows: 5h17
